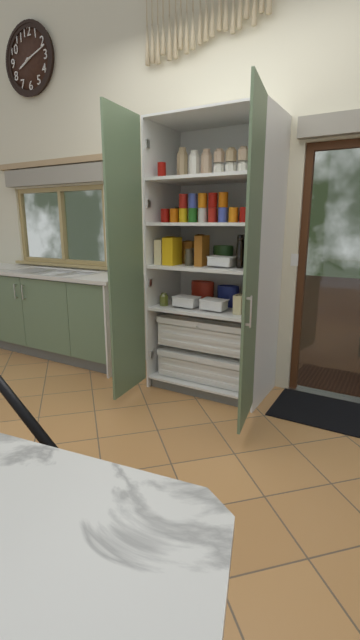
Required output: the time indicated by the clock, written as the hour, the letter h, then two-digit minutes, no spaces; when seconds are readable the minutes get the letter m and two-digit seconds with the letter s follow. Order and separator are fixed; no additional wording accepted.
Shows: 8h12
